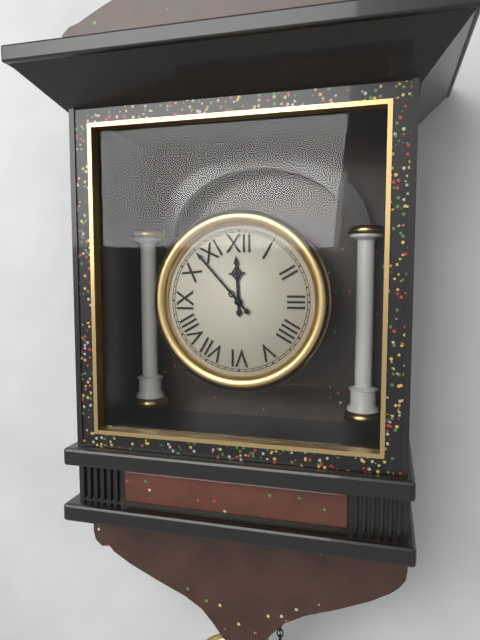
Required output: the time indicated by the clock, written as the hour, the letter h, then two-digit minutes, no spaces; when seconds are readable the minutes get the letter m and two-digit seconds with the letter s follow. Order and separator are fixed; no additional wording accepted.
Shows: 11h53
